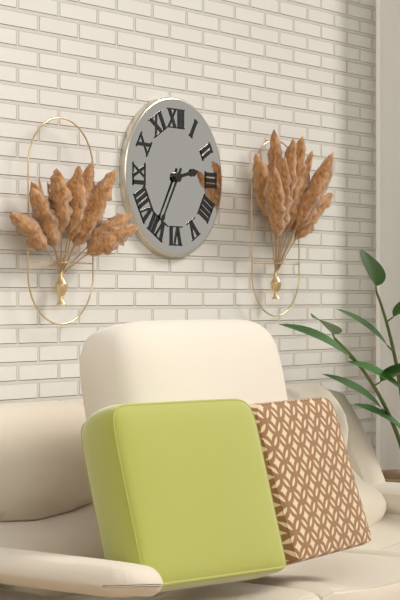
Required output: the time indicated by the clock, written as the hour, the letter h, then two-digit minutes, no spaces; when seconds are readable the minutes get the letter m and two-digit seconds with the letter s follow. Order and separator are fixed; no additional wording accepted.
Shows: 2h35
